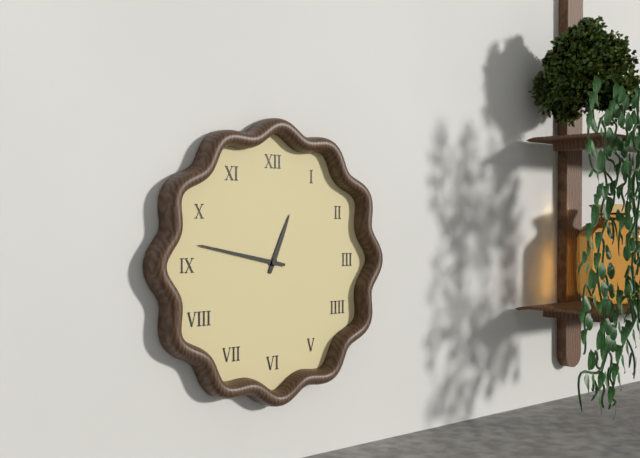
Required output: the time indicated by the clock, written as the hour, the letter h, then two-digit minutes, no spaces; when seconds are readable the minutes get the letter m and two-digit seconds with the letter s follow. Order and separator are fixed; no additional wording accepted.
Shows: 12h47
